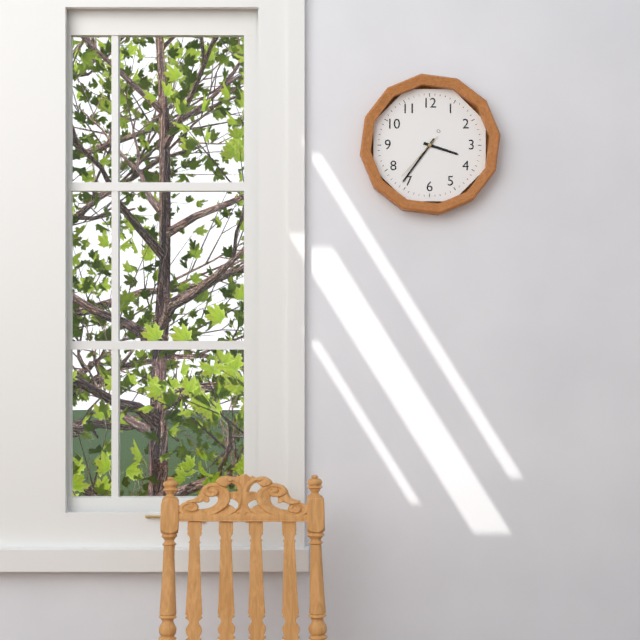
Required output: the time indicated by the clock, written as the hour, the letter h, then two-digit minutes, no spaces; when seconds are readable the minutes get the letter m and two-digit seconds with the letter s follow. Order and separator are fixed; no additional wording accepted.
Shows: 3h36m37s
